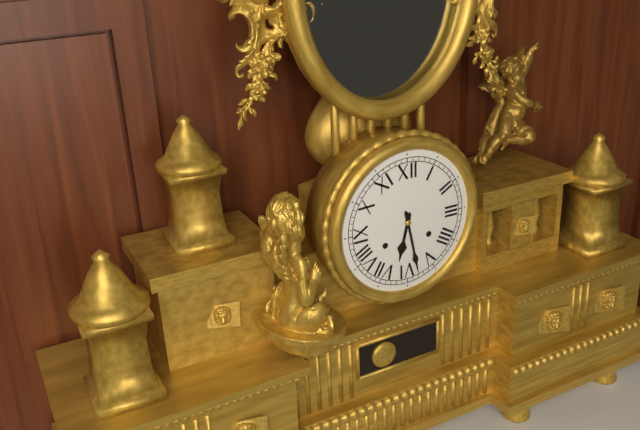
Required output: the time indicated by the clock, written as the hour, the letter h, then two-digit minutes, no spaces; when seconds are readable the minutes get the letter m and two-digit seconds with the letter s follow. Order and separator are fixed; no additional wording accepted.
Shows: 6h28
